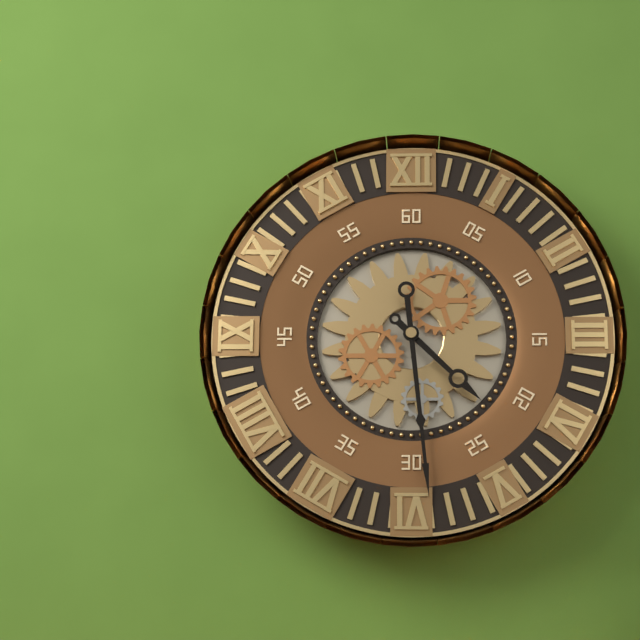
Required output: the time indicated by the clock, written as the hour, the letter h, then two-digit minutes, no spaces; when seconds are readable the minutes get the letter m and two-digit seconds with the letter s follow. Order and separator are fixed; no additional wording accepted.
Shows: 4h29
